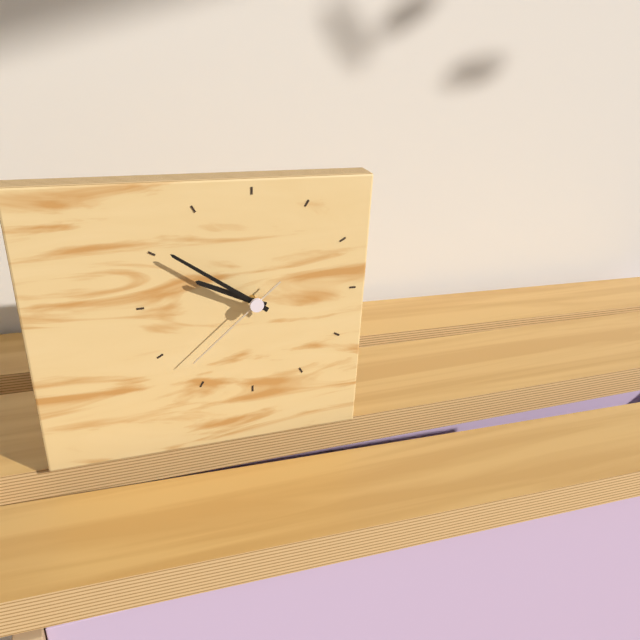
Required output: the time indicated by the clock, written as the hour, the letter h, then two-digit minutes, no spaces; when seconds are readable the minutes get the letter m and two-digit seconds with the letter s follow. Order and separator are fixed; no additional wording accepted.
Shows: 9h51m38s
